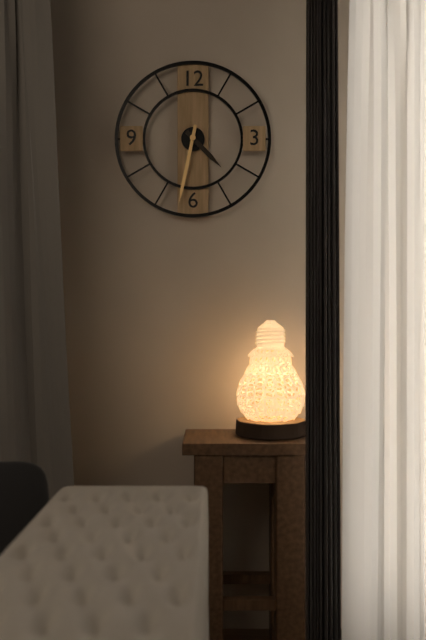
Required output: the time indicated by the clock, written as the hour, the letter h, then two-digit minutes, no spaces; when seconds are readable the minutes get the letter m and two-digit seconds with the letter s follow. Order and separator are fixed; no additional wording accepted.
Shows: 4h32
